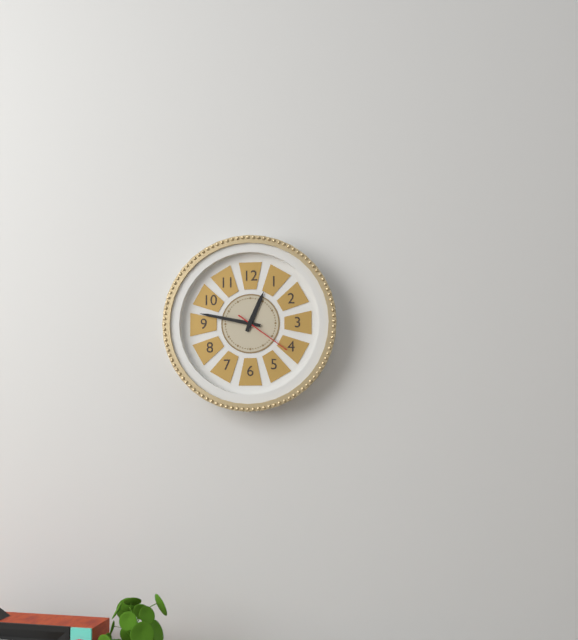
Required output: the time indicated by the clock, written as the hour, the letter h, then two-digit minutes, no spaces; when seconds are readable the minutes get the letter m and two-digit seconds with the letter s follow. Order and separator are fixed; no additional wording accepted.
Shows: 12h47m21s
